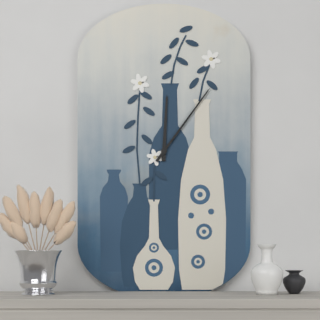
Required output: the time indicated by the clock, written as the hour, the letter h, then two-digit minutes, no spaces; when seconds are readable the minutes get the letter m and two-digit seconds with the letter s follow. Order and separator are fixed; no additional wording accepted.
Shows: 12h06
